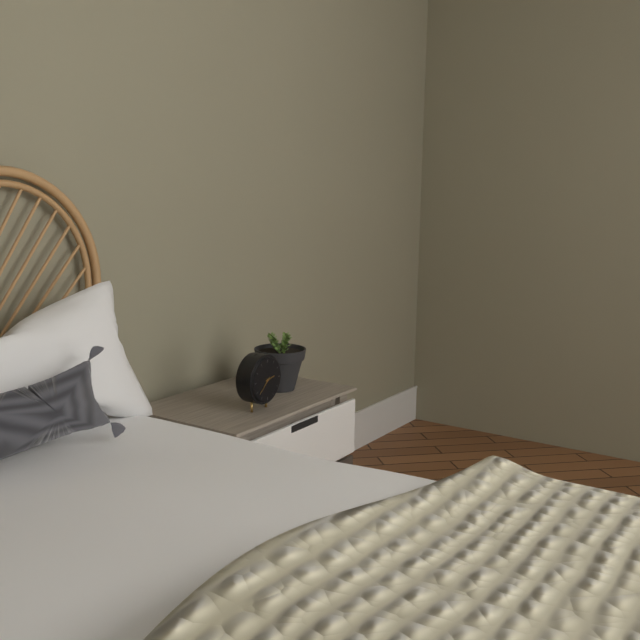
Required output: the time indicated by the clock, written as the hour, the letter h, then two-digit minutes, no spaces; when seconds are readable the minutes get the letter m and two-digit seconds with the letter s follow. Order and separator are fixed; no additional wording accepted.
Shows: 2h38
